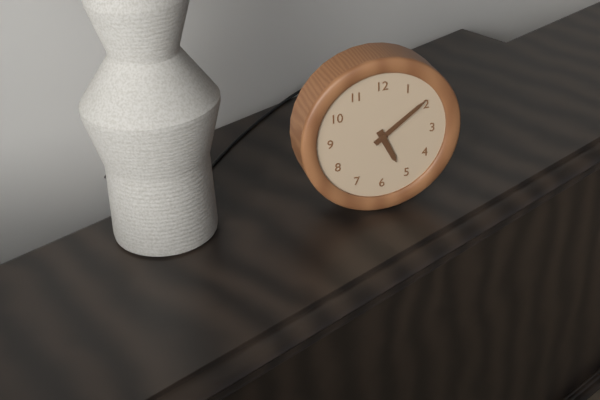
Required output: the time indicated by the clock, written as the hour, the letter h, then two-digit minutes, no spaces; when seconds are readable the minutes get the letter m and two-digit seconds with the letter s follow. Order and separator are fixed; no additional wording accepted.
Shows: 5h09
